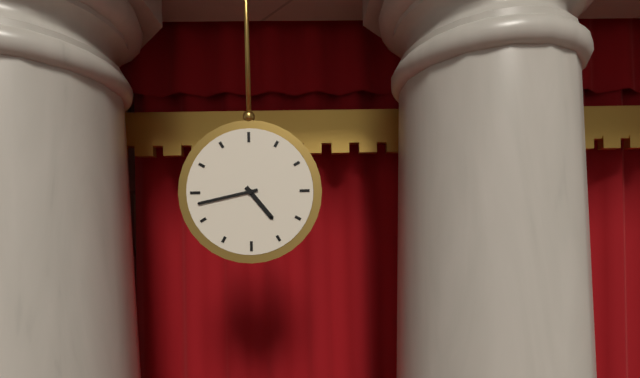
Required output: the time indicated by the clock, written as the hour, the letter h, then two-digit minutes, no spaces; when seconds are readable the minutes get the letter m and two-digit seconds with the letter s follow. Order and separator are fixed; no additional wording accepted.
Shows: 4h43
